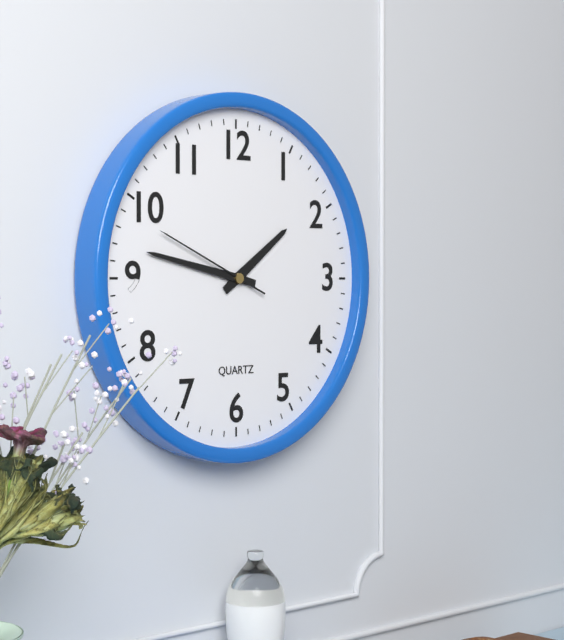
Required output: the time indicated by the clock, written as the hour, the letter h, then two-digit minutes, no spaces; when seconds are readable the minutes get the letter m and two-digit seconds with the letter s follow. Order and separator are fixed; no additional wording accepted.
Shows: 1h47m49s
